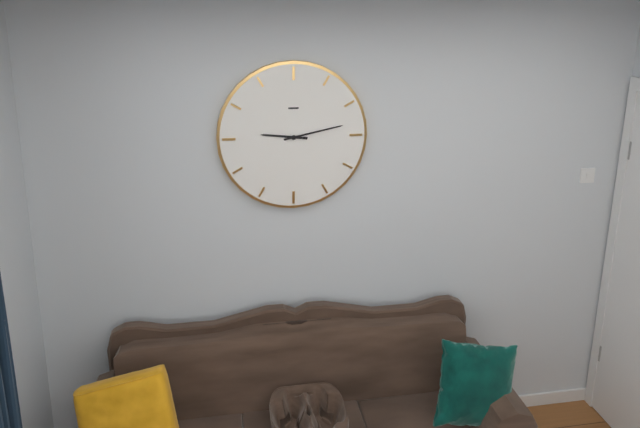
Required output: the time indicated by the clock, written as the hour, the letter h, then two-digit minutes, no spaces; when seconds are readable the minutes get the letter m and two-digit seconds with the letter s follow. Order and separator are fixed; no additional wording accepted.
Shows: 9h13
